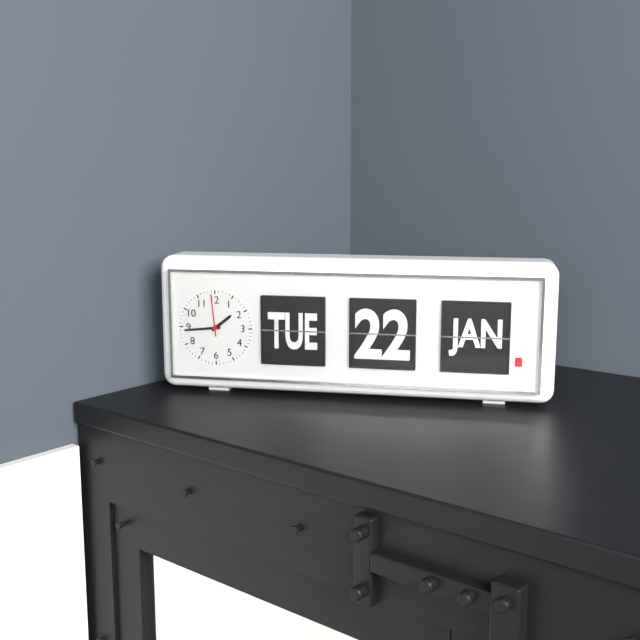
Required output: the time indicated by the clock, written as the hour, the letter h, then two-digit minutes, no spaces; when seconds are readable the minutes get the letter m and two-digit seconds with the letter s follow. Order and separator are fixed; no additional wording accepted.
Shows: 1h44
